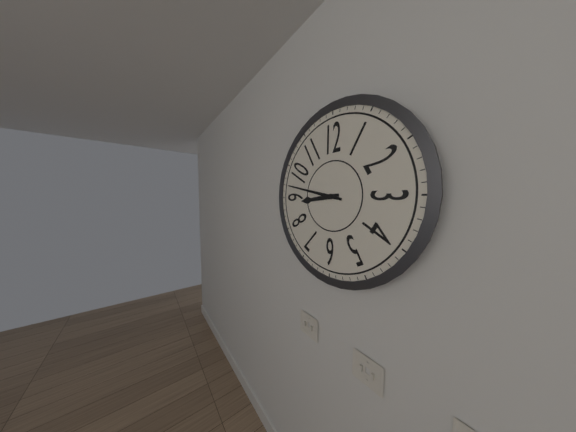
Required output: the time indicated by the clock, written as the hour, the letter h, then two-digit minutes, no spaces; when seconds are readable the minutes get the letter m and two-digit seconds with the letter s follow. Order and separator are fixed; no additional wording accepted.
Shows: 8h47
